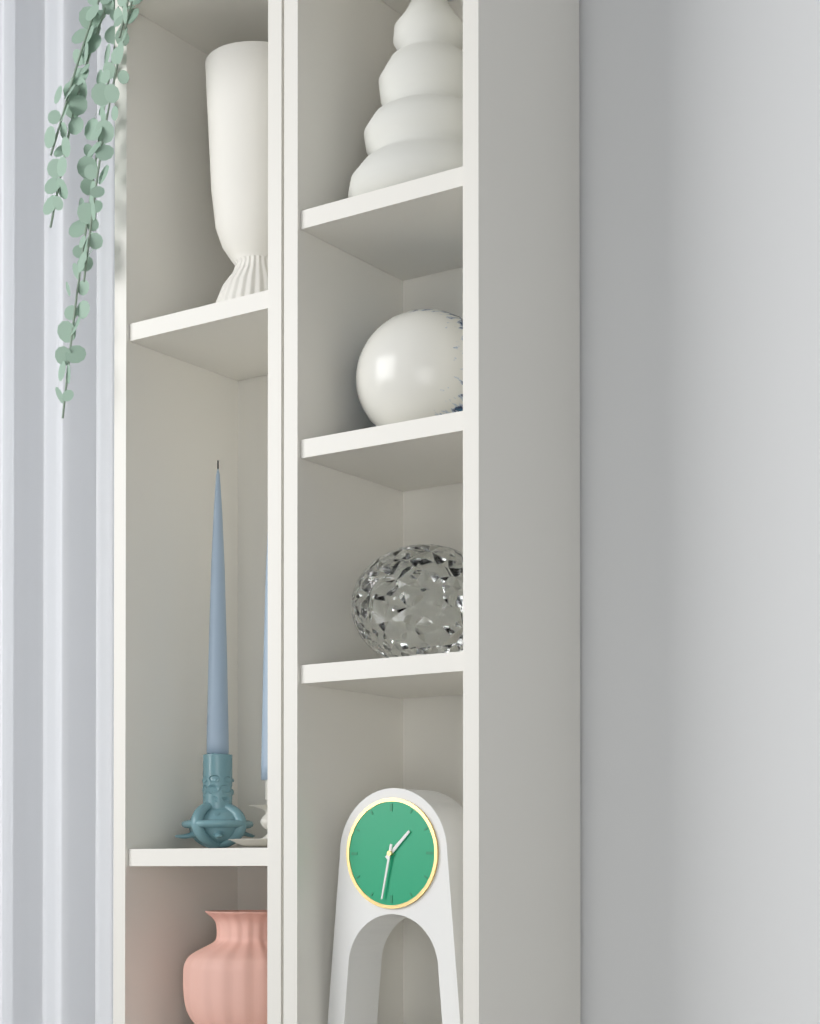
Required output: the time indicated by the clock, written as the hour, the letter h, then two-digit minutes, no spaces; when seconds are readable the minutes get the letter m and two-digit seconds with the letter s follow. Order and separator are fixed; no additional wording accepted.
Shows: 1h32
